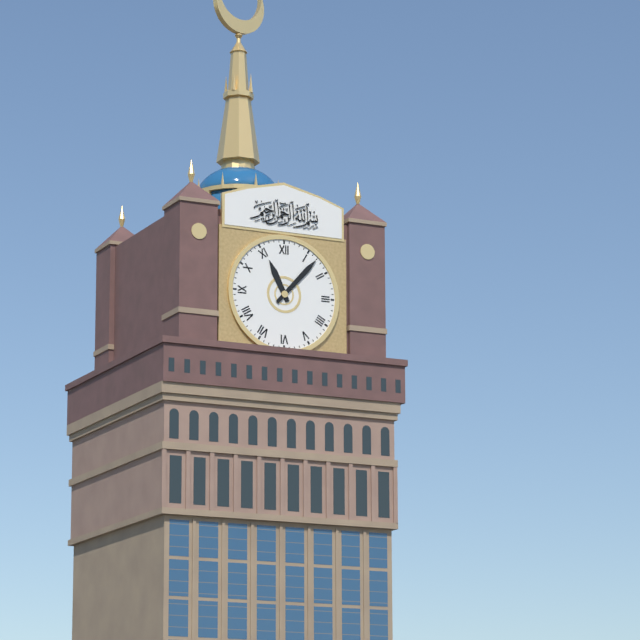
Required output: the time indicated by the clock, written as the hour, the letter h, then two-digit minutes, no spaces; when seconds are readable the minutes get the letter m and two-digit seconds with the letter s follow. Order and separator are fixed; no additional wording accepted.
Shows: 11h07
